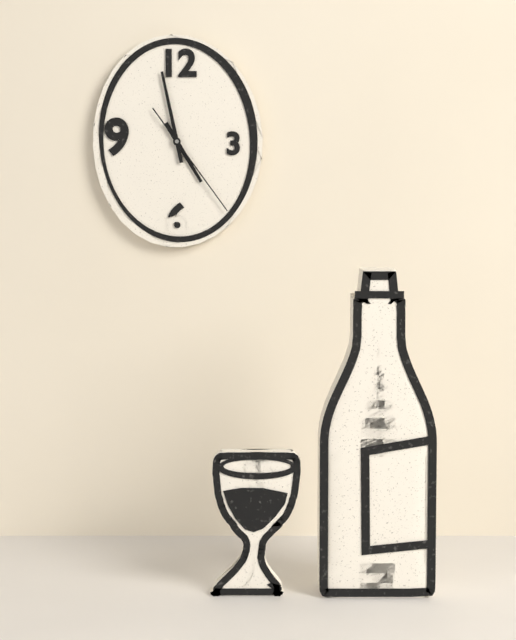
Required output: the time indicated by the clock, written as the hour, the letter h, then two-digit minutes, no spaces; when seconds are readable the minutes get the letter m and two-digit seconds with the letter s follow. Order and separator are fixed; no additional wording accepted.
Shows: 4h58m24s
